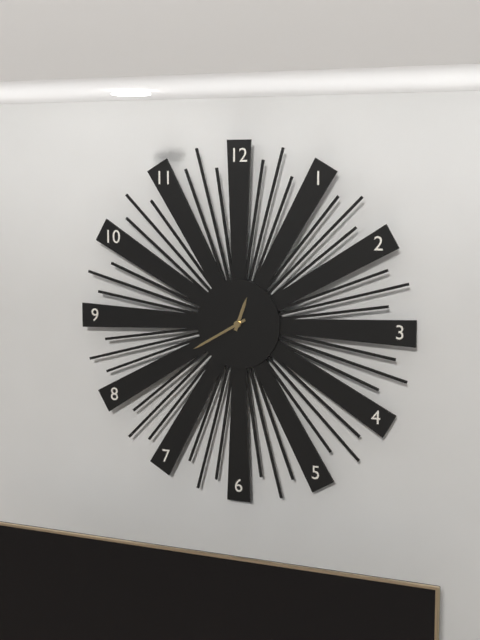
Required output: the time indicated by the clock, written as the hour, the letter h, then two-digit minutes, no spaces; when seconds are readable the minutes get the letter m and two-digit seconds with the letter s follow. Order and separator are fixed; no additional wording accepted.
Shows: 12h40
